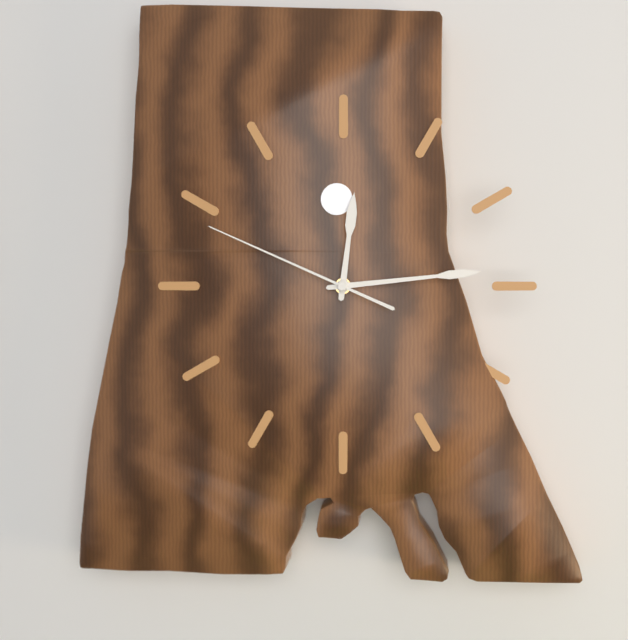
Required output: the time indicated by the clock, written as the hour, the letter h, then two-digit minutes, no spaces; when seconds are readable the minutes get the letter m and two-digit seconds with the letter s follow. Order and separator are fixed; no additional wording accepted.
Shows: 12h14m49s
